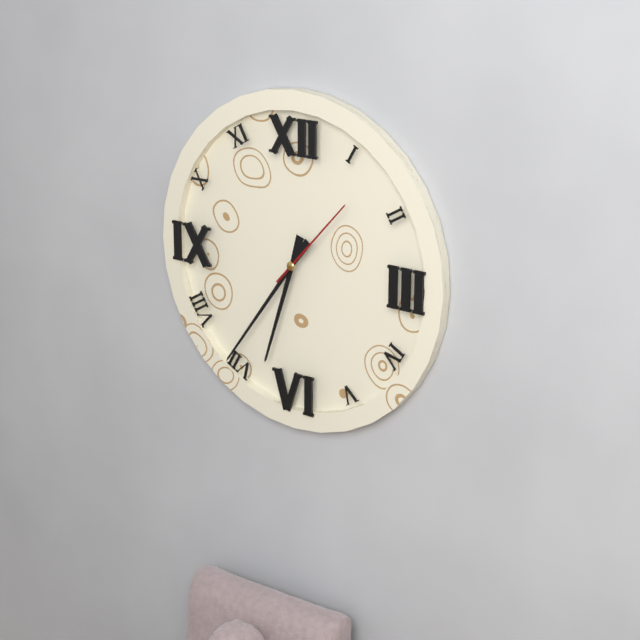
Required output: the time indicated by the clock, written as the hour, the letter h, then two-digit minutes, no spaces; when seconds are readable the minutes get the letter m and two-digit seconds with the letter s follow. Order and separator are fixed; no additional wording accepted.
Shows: 6h36m07s
